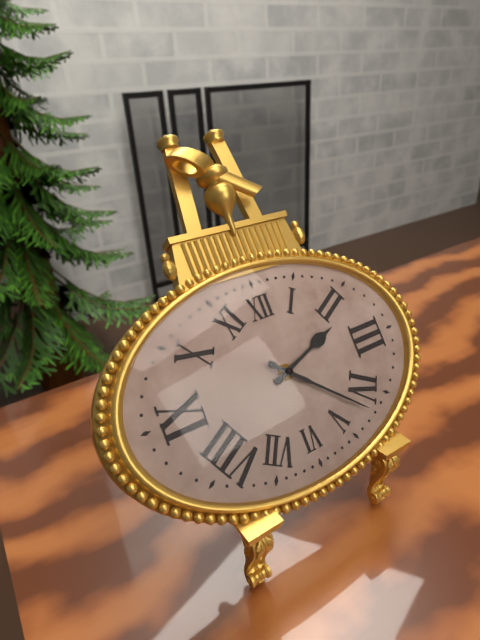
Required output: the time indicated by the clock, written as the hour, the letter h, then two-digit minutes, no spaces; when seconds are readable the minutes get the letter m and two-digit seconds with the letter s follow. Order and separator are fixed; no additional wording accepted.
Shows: 2h22
